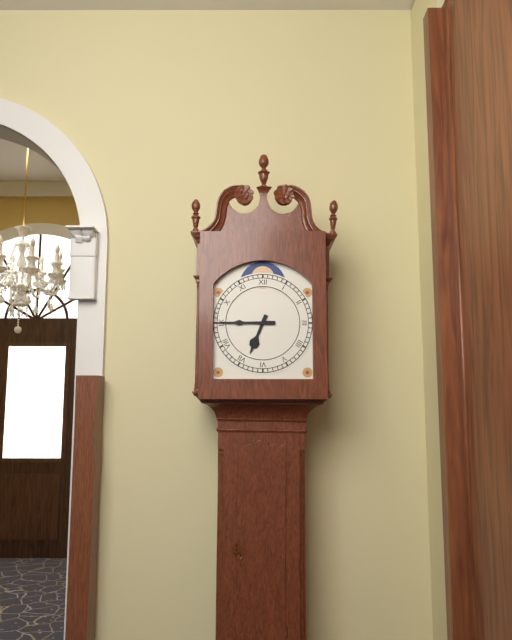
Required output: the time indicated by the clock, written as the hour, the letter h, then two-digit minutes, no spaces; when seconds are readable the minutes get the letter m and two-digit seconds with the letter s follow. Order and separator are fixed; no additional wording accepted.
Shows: 6h45
